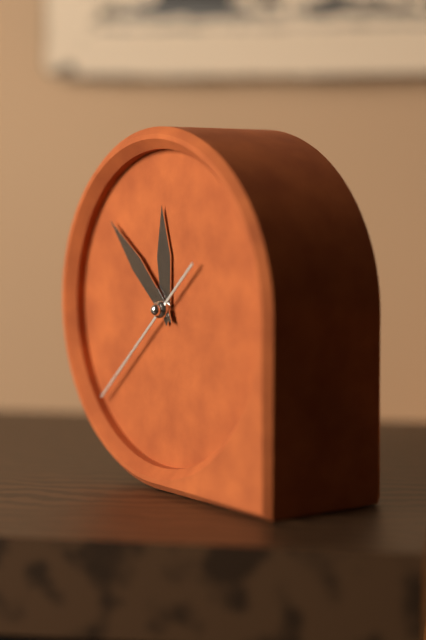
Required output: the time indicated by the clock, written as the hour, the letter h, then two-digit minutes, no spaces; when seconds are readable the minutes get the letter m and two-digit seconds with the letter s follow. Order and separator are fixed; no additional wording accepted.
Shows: 11h52m38s
